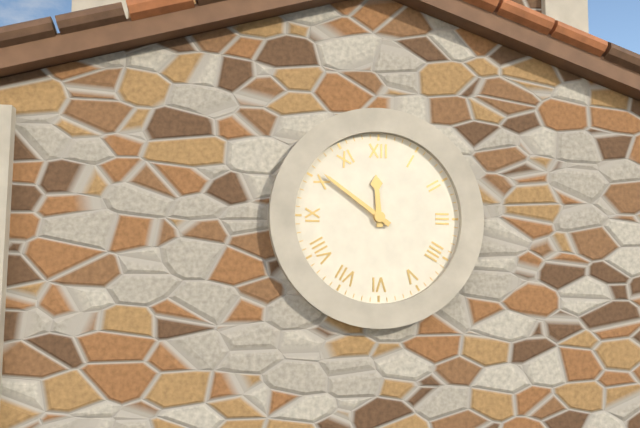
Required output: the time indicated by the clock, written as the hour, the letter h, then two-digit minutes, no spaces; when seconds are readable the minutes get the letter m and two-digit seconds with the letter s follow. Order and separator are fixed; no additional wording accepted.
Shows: 11h51
